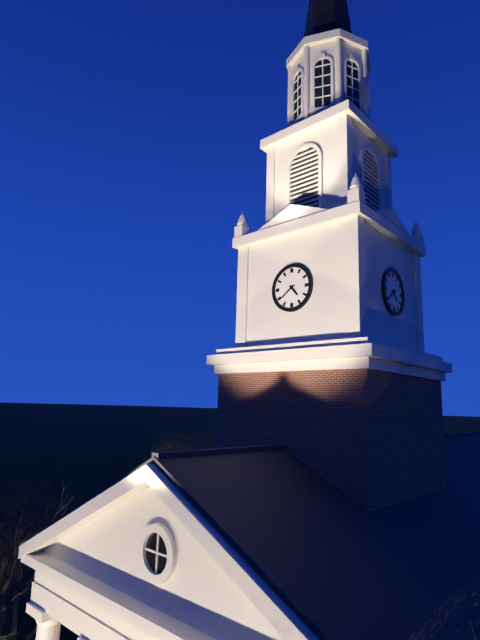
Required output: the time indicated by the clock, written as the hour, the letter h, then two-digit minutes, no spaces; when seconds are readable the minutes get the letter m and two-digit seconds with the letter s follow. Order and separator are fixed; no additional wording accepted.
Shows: 4h39
